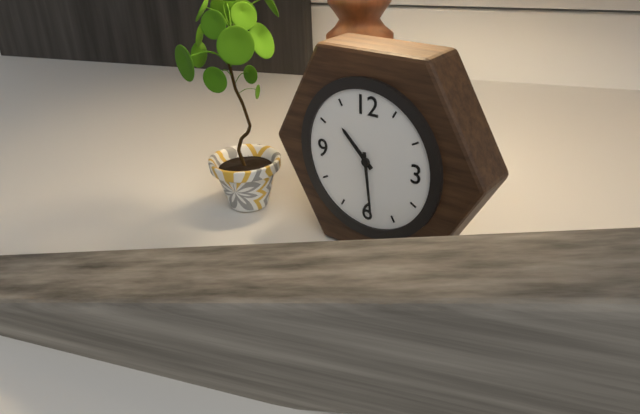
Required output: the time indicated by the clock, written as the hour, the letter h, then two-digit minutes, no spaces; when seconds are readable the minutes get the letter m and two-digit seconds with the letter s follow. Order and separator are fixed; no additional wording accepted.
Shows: 10h29
